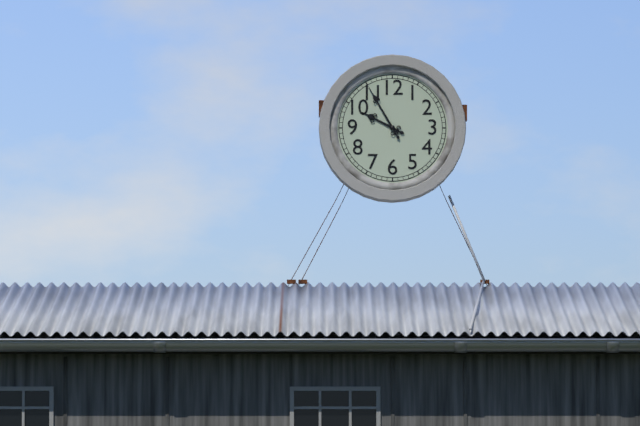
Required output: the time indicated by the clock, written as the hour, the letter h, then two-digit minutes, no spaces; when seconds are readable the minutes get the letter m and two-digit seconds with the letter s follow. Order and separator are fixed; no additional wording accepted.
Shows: 9h55
